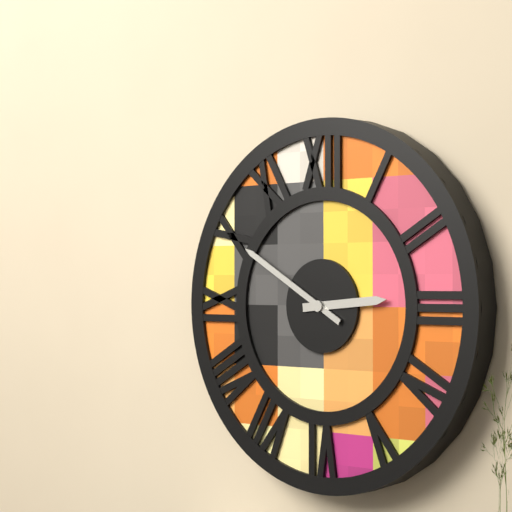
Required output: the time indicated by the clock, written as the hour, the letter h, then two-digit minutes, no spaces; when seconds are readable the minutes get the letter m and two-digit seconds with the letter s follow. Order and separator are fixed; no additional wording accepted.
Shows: 2h50
